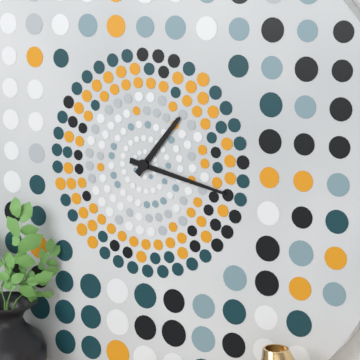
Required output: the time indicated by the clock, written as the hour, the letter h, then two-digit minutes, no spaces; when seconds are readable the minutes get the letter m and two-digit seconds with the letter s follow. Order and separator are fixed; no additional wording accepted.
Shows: 1h17
